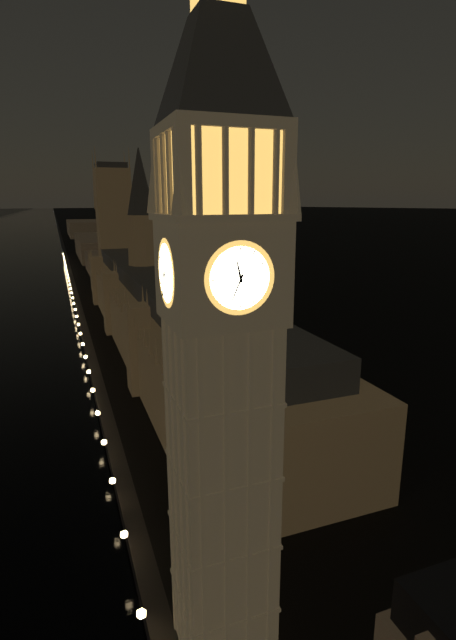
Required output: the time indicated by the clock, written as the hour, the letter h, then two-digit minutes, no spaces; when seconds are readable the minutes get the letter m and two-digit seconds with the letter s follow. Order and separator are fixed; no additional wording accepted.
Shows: 11h34
